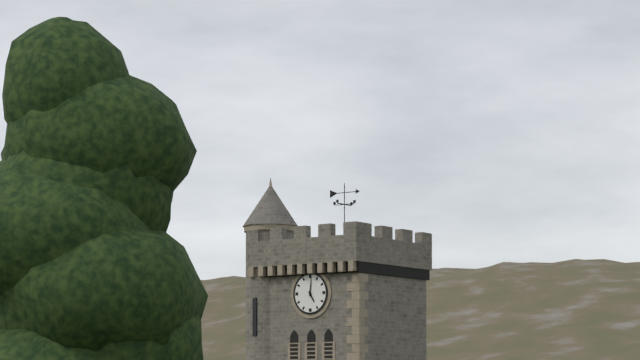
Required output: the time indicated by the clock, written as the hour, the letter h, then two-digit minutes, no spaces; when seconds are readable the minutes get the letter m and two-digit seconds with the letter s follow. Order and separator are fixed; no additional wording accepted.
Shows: 5h01
